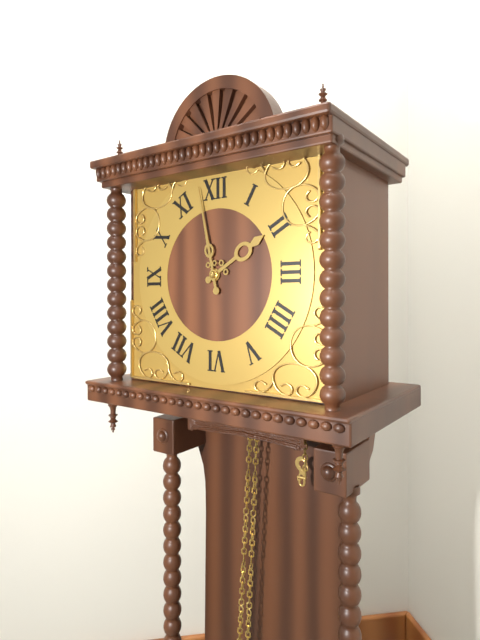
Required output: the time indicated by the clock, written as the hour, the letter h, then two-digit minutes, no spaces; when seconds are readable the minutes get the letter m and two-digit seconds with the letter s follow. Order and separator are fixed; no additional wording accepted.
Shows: 1h58
